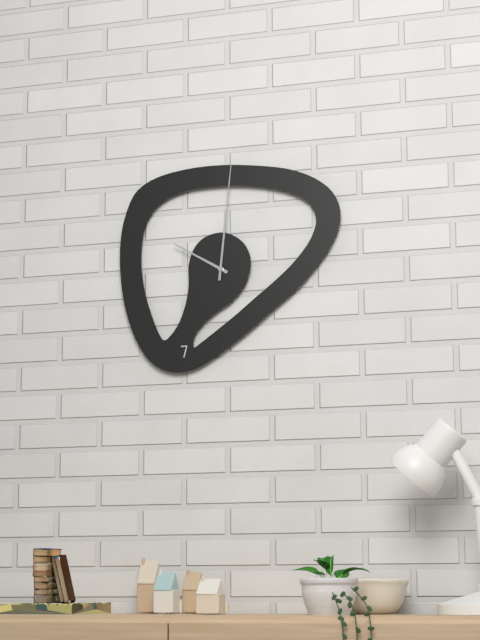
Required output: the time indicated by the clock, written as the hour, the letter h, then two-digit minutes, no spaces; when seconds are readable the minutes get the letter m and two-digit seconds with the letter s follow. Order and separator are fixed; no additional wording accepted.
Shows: 10h01
